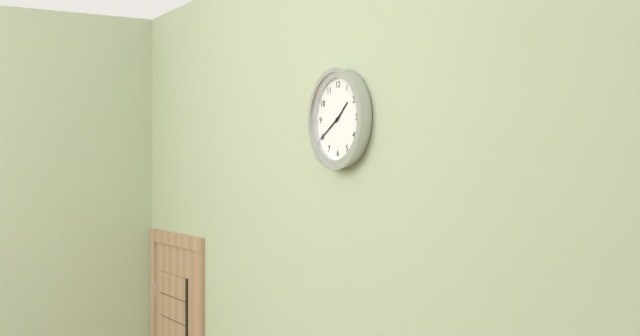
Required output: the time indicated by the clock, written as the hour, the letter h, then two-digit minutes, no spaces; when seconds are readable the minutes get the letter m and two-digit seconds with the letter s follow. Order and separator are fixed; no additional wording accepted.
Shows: 1h40
